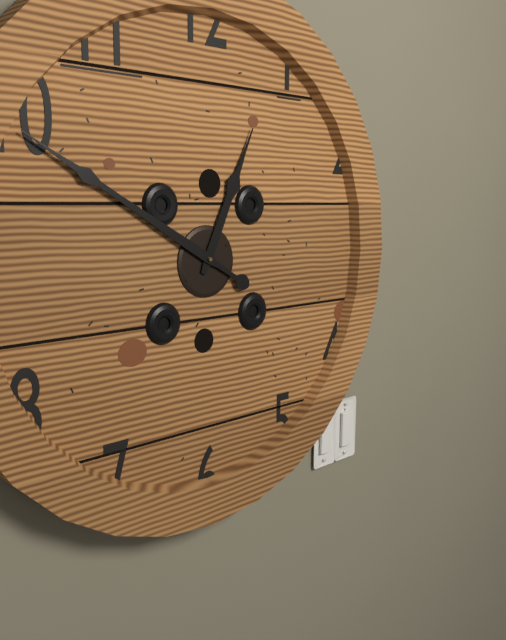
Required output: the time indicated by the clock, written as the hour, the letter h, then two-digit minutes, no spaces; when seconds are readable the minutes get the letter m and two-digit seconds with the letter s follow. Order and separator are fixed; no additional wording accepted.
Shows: 12h50
